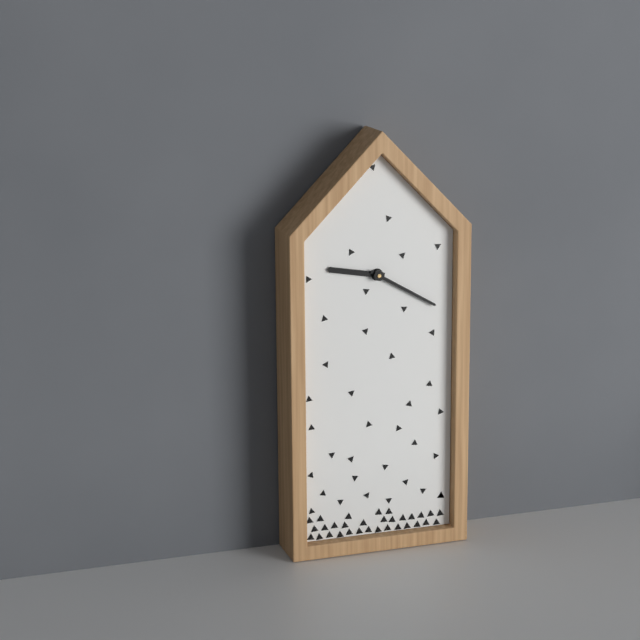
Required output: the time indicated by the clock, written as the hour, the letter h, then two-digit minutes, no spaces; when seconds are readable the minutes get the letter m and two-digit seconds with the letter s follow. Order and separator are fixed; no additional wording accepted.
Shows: 9h20
